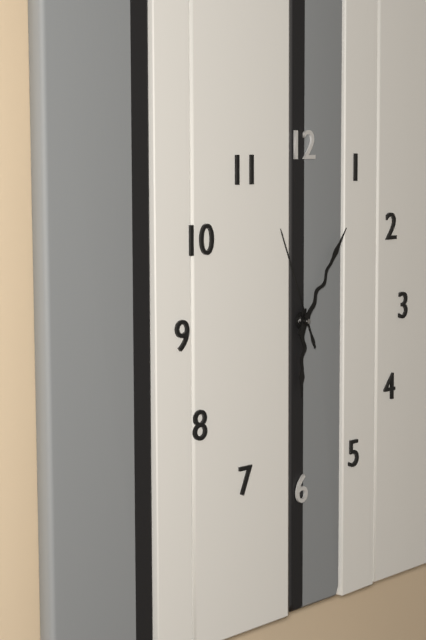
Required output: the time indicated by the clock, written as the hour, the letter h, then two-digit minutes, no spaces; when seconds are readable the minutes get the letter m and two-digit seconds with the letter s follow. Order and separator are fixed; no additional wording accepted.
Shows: 6h06m56s
